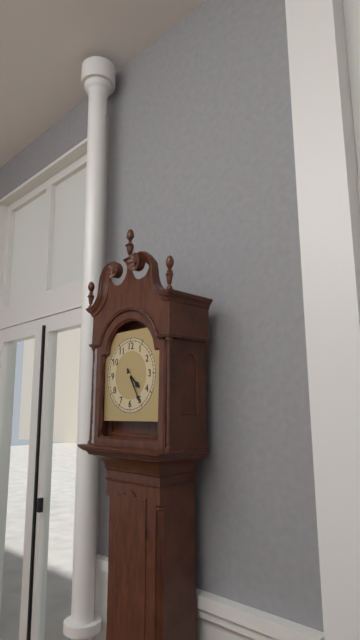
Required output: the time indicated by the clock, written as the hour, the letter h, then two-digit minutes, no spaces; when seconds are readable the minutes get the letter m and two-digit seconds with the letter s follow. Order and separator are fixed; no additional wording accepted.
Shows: 4h25
